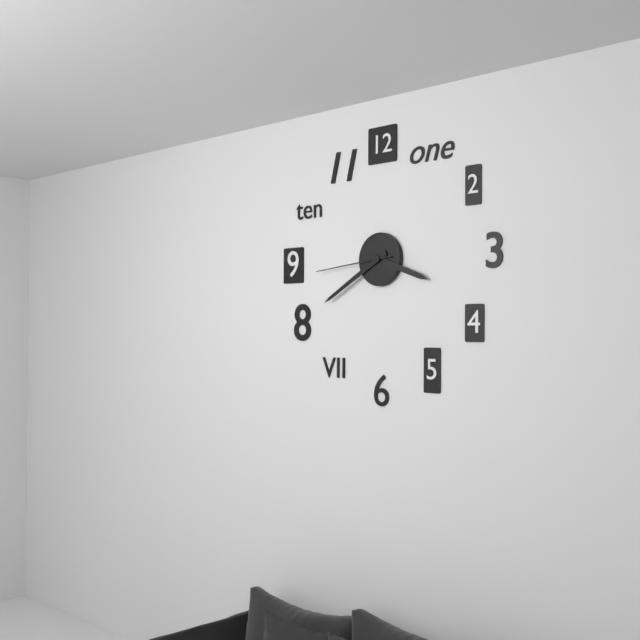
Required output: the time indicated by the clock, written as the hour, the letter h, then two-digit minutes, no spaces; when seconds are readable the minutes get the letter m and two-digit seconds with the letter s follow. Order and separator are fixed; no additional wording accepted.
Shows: 3h40m44s
